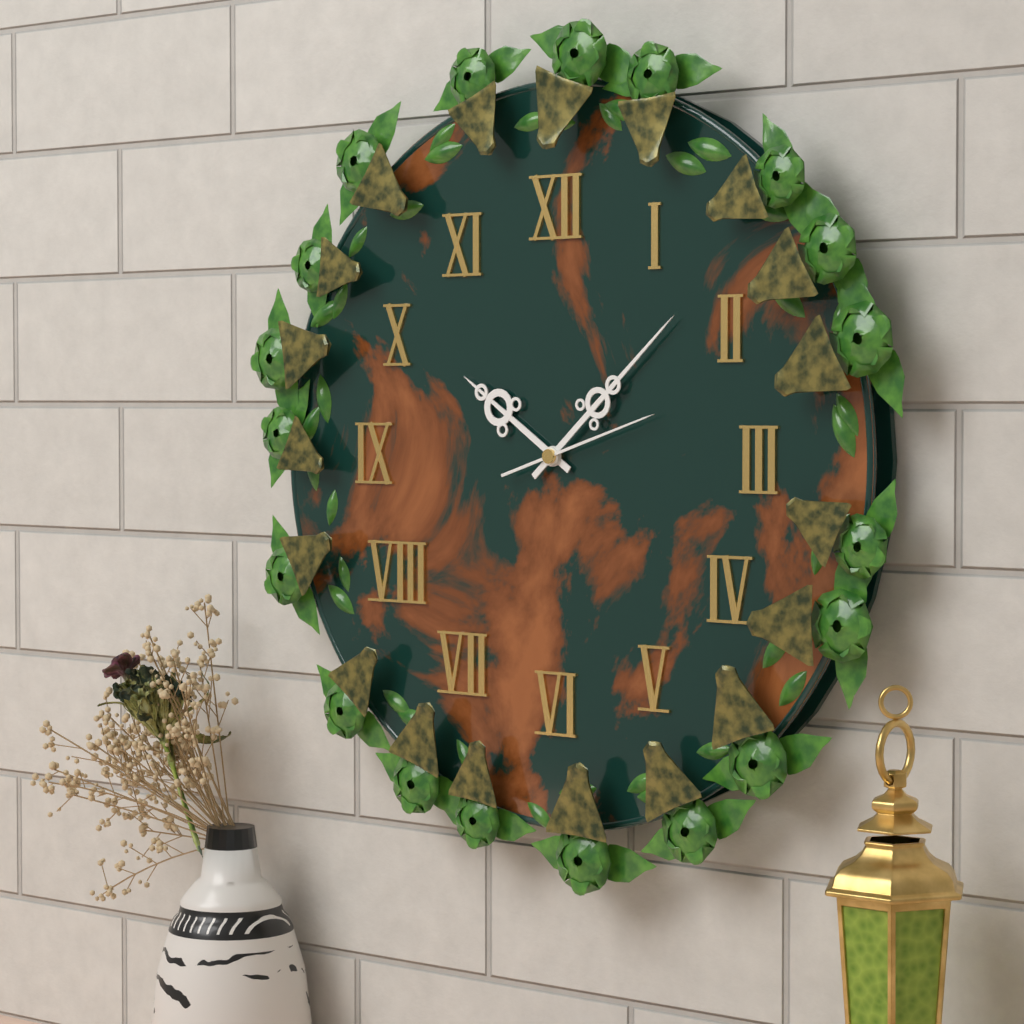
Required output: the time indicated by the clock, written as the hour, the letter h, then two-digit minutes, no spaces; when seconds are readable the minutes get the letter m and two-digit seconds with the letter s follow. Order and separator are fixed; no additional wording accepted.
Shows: 10h08m12s
